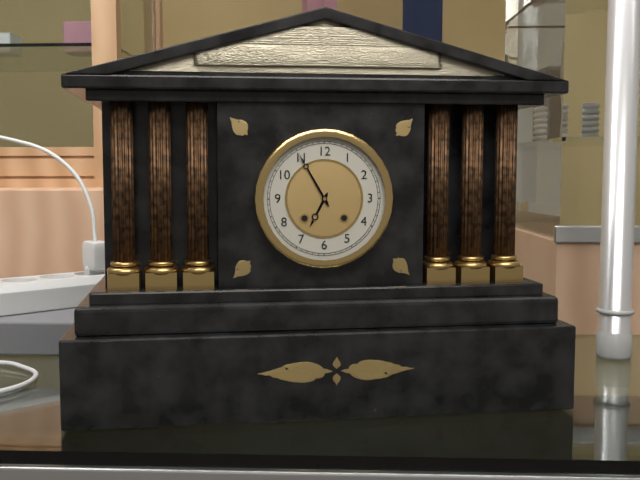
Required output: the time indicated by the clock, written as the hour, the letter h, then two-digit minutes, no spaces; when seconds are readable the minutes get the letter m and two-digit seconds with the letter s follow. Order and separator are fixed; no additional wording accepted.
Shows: 6h55
